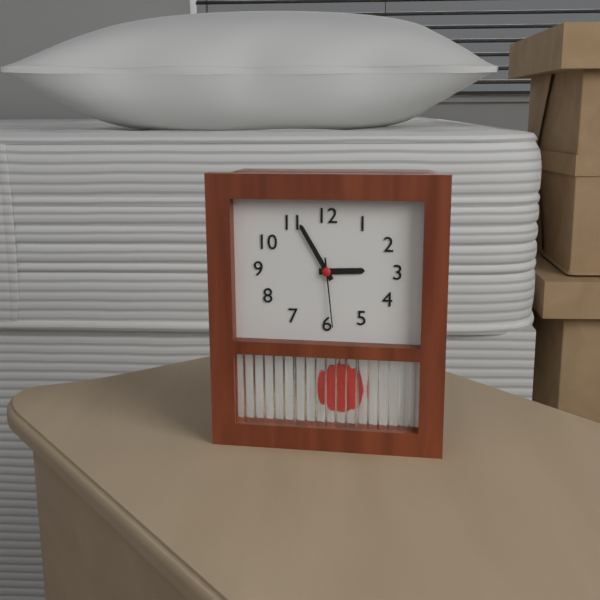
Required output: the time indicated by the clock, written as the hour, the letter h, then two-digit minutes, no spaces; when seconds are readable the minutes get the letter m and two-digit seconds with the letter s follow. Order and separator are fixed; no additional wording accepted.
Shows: 2h55m29s
